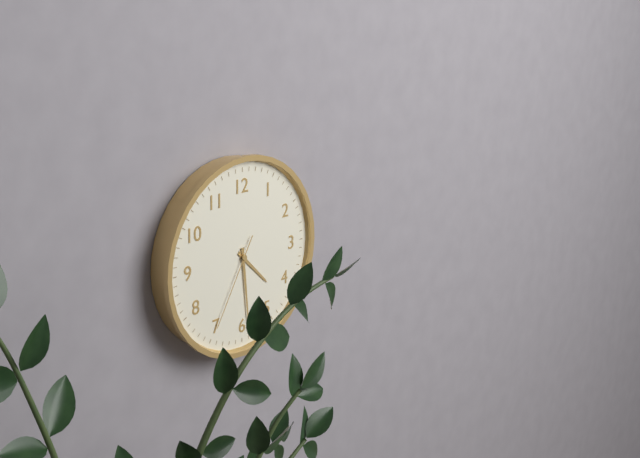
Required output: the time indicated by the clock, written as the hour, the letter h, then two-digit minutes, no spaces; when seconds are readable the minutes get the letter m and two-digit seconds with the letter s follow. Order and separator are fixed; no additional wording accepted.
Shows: 4h29m35s
